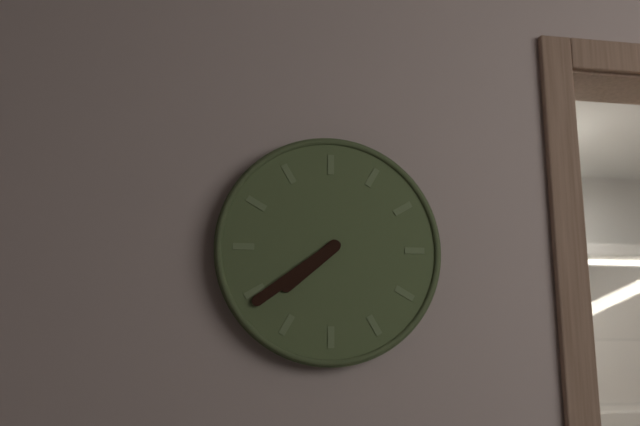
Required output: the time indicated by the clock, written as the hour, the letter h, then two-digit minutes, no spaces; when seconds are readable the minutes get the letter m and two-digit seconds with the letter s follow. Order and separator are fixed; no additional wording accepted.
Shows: 7h39
